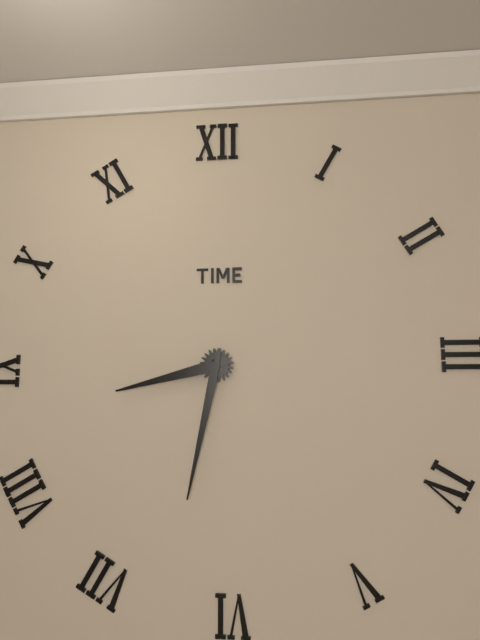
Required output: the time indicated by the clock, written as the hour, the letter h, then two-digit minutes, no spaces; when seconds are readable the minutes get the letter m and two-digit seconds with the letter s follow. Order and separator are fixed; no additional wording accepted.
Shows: 8h32
